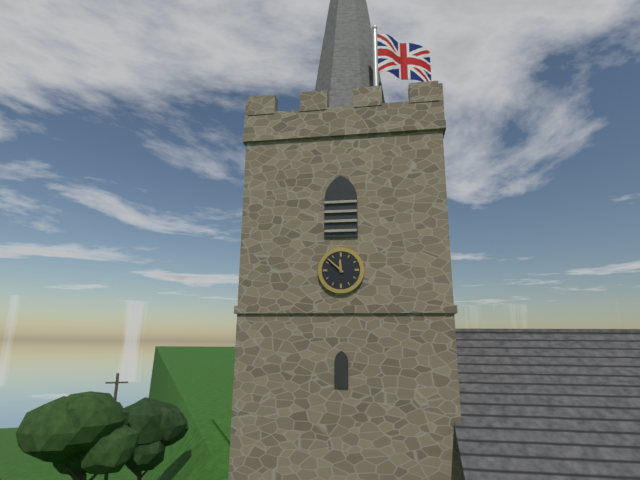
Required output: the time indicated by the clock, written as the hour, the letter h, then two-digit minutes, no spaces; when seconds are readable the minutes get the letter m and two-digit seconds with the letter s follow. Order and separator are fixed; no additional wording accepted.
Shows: 11h52
